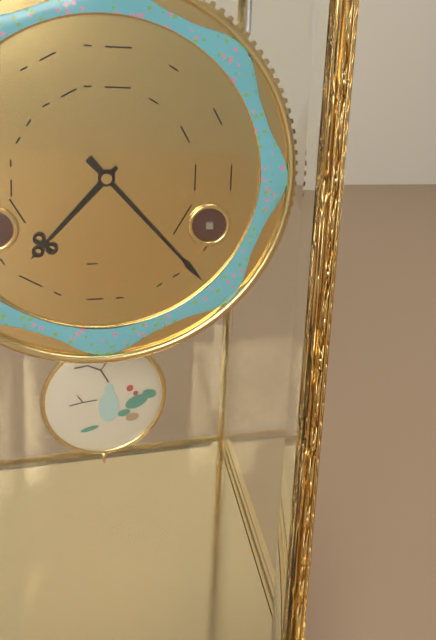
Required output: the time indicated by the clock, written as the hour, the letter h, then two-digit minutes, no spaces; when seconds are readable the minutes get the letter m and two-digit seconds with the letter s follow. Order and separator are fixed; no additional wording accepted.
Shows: 7h23
